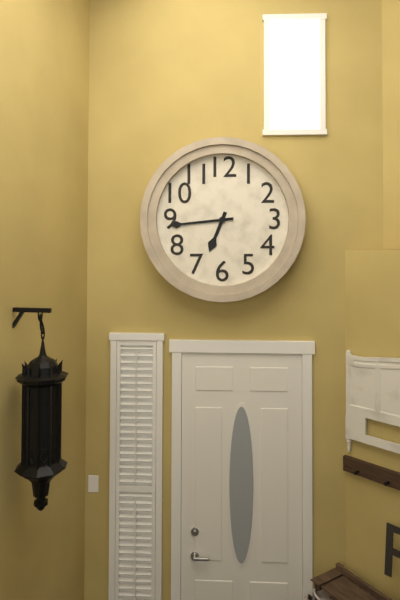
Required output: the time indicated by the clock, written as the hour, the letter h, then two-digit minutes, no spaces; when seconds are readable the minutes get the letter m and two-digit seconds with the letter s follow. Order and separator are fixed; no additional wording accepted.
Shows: 6h44
